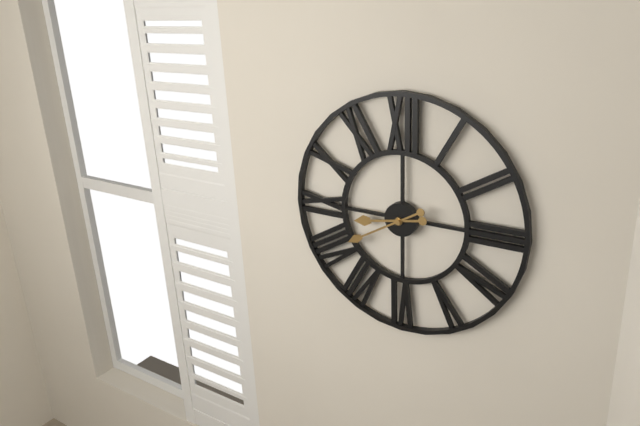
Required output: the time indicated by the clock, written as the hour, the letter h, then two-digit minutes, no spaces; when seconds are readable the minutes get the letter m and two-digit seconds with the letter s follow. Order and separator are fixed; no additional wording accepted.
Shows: 8h40
